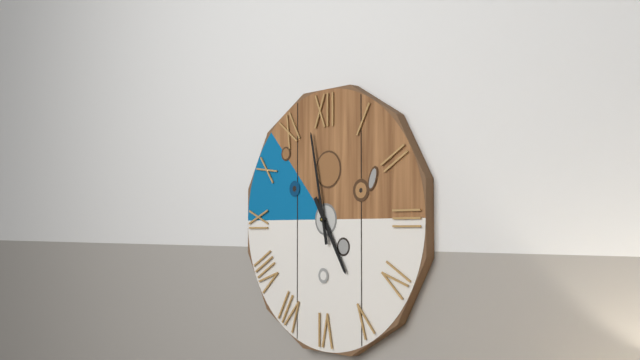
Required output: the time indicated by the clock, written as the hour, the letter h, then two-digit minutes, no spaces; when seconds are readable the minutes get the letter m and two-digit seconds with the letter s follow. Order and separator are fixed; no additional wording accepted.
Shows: 4h58
